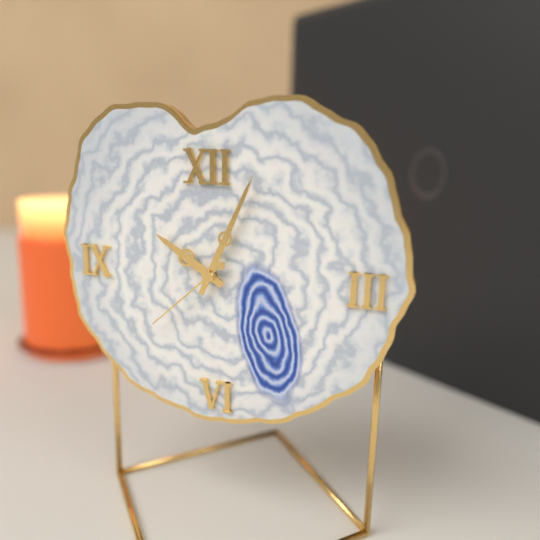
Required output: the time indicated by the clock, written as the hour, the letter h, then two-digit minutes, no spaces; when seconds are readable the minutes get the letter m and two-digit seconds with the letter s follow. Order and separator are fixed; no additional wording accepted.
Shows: 10h04m38s
